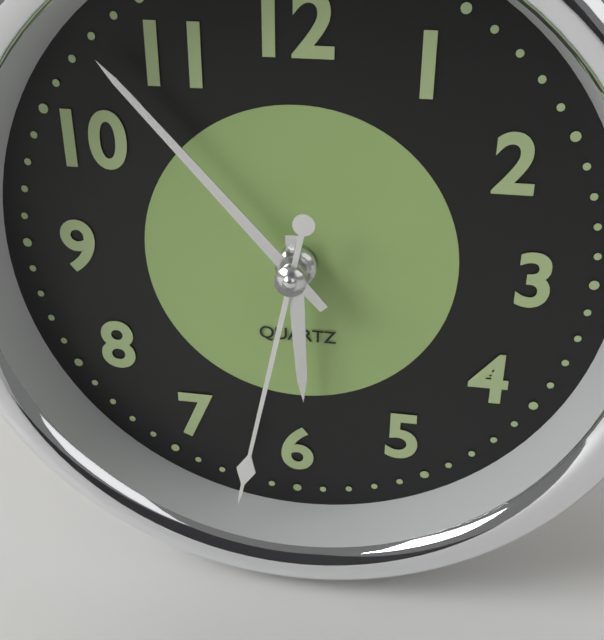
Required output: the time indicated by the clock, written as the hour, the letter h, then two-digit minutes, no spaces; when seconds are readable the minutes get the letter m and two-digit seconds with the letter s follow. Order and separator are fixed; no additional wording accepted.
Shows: 5h53m32s
